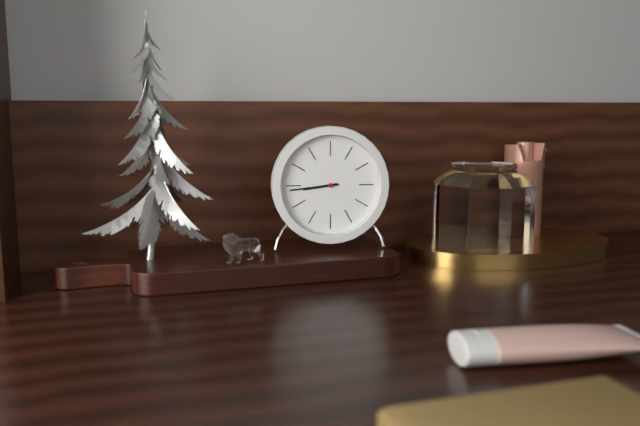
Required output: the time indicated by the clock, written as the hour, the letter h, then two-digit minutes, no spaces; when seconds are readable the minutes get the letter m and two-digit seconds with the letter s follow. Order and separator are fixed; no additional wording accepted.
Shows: 8h44
